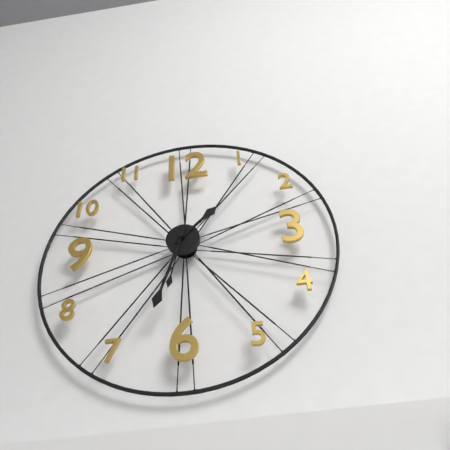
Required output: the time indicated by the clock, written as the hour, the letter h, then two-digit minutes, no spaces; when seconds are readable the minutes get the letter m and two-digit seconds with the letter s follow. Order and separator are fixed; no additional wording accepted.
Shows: 1h33m32s
